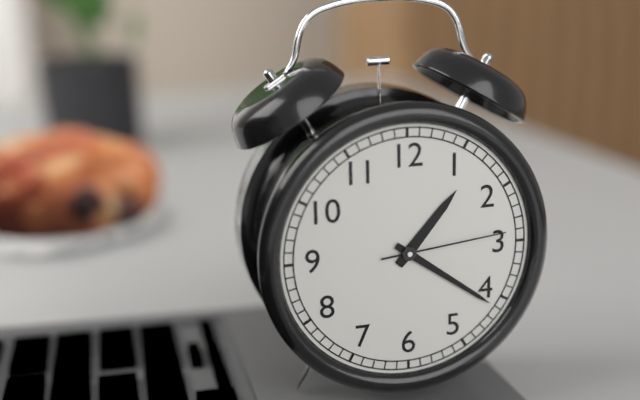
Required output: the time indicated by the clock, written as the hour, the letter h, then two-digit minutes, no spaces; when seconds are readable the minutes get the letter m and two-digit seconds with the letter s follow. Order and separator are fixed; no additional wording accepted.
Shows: 1h21m14s
